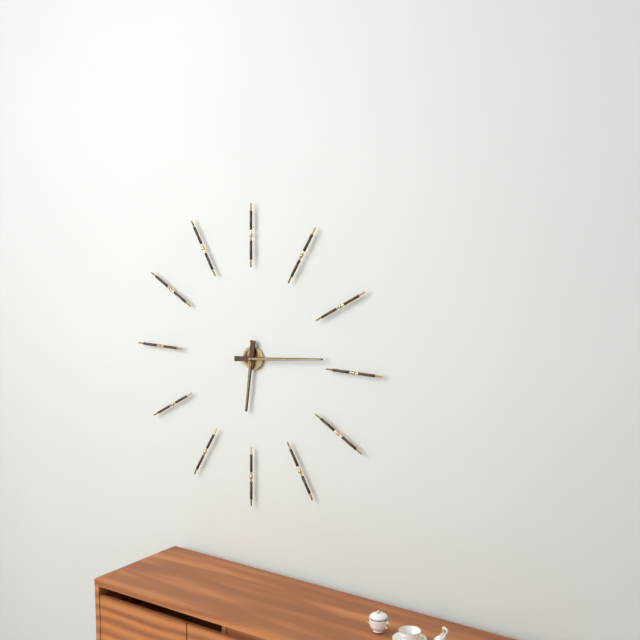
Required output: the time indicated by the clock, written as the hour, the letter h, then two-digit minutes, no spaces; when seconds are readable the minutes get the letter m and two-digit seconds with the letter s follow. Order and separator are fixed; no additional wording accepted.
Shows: 6h14
